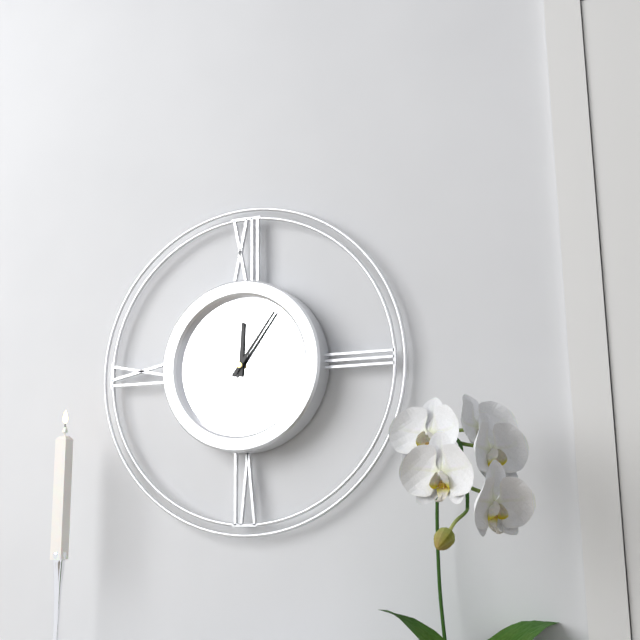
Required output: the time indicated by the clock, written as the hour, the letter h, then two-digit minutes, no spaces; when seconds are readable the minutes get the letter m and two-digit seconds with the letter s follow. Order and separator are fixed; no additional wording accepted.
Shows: 12h06
